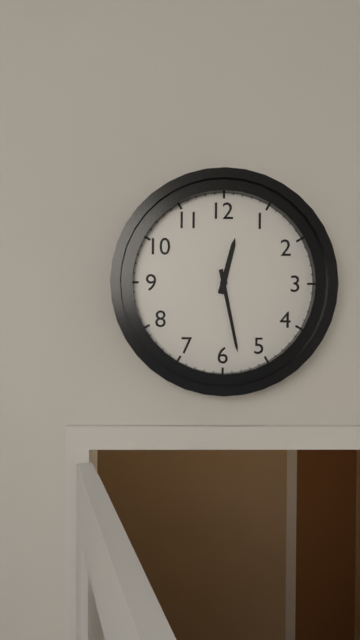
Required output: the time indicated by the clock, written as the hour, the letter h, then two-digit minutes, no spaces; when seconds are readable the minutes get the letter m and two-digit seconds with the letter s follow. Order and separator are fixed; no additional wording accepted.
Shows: 12h28
